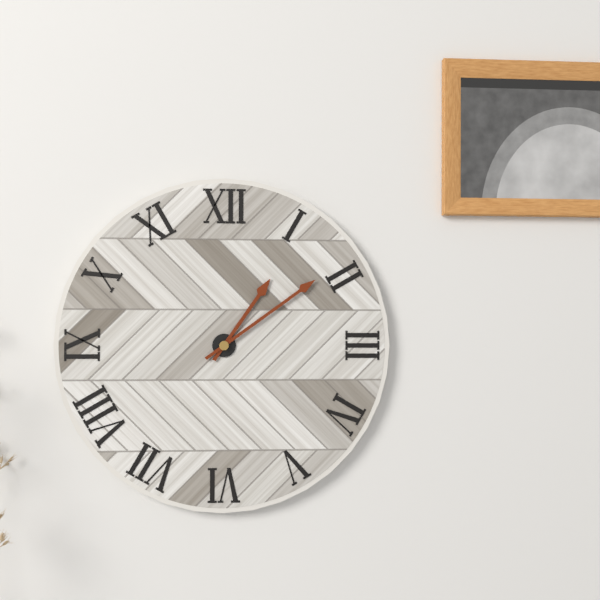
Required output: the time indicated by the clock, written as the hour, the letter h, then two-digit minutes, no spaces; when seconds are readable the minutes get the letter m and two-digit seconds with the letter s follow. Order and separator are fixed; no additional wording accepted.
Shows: 1h09
